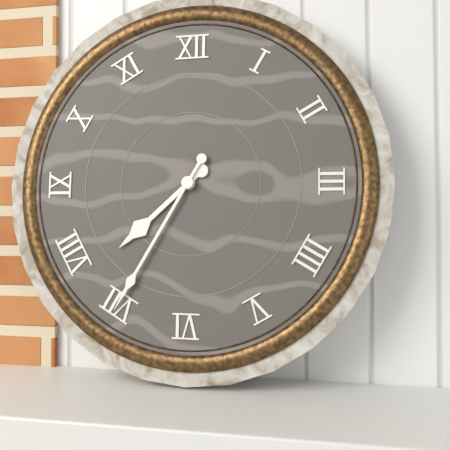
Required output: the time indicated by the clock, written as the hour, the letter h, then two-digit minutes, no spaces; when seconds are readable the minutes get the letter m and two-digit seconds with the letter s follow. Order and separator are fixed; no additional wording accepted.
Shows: 7h35
